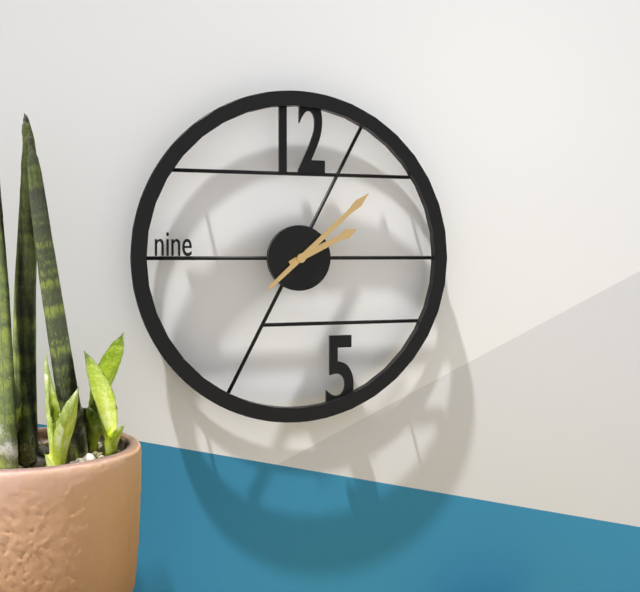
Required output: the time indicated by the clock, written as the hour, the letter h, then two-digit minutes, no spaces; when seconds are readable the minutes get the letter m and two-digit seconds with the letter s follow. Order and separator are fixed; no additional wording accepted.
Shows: 2h08
